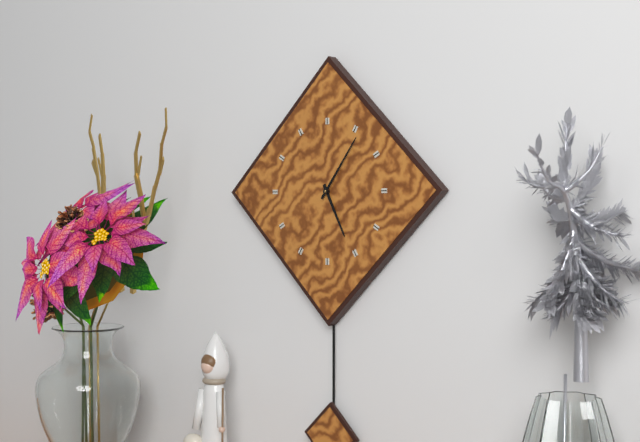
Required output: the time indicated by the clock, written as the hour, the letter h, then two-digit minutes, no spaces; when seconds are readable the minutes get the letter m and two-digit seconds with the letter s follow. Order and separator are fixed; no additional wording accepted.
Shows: 5h06
